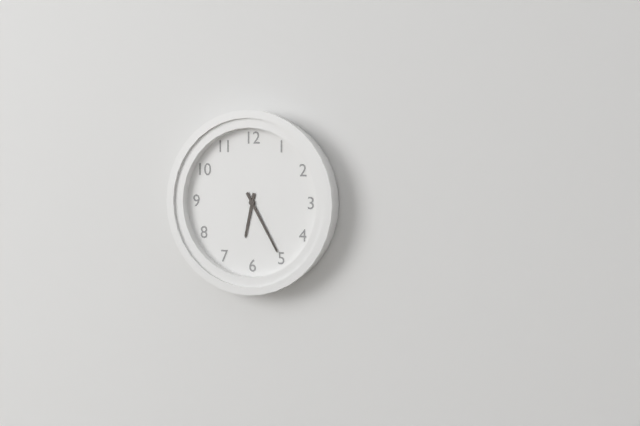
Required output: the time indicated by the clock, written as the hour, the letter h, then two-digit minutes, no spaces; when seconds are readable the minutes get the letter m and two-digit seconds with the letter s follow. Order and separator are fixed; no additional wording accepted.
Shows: 6h25
